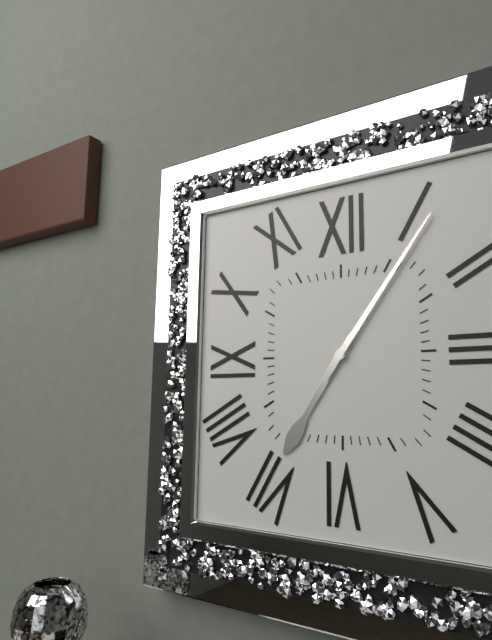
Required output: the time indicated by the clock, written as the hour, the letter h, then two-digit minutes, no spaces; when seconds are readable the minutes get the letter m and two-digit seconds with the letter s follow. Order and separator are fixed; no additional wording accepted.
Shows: 7h06
